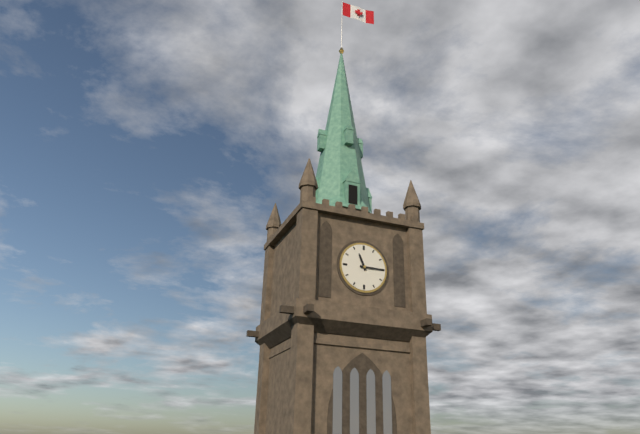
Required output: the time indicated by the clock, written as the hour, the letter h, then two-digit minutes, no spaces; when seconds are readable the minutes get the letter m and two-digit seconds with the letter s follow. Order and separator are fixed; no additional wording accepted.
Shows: 11h15
